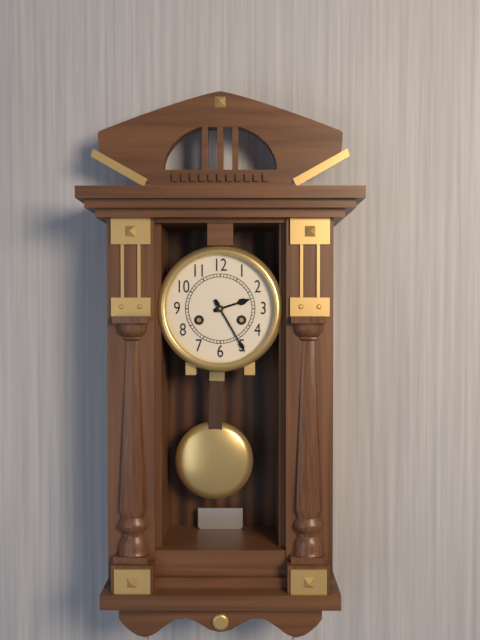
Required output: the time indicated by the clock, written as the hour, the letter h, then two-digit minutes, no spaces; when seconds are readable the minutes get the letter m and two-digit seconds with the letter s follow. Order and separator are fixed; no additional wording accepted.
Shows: 2h25
